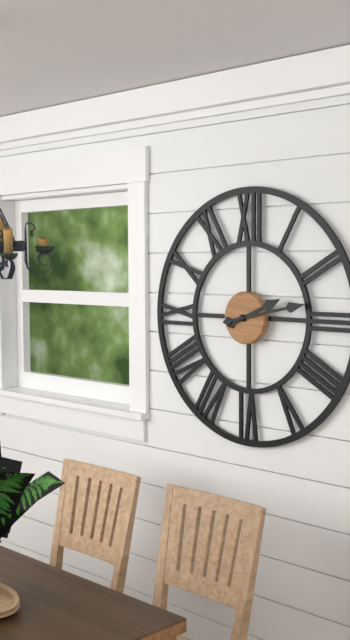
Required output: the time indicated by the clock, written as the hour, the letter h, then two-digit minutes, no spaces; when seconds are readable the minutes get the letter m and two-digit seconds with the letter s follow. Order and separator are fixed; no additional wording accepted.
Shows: 2h13
